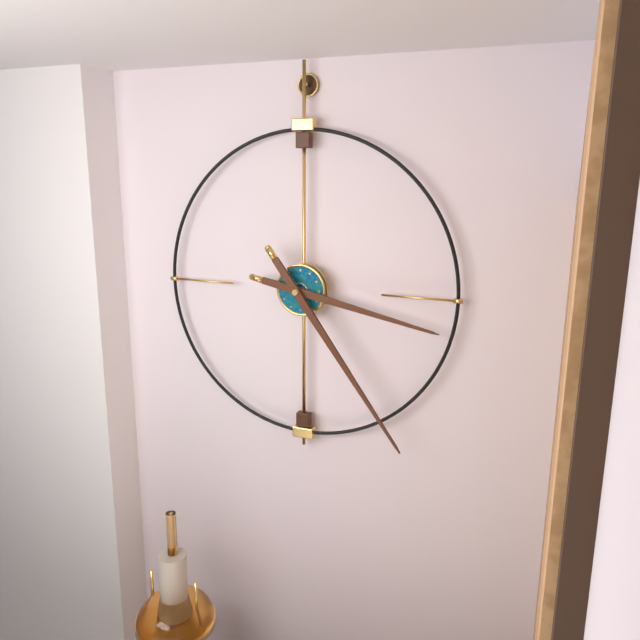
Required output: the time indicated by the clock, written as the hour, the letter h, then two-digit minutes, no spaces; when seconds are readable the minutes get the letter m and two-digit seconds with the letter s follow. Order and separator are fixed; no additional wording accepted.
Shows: 3h24
